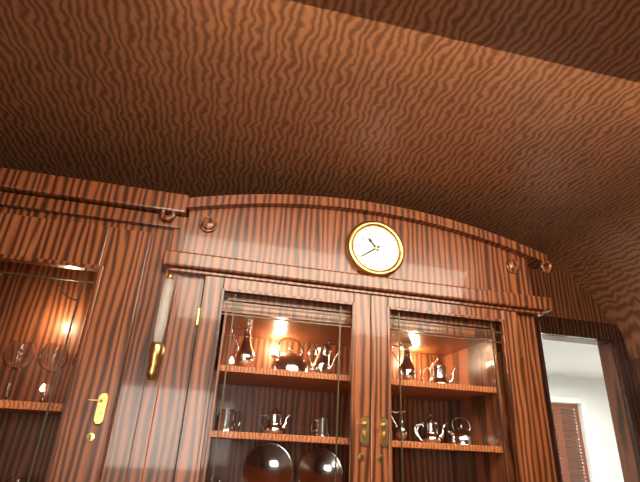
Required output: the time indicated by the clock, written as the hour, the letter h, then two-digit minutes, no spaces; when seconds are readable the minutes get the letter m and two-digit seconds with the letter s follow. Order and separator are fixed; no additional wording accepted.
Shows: 10h39
